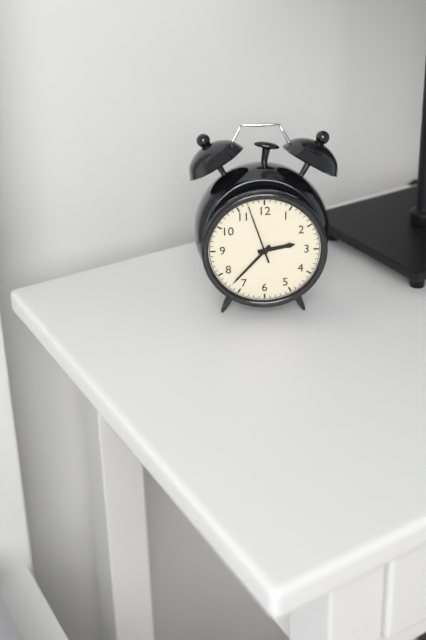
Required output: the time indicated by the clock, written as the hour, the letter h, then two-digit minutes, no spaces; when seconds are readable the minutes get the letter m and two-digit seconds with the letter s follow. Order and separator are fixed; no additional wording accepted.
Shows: 2h37m57s
